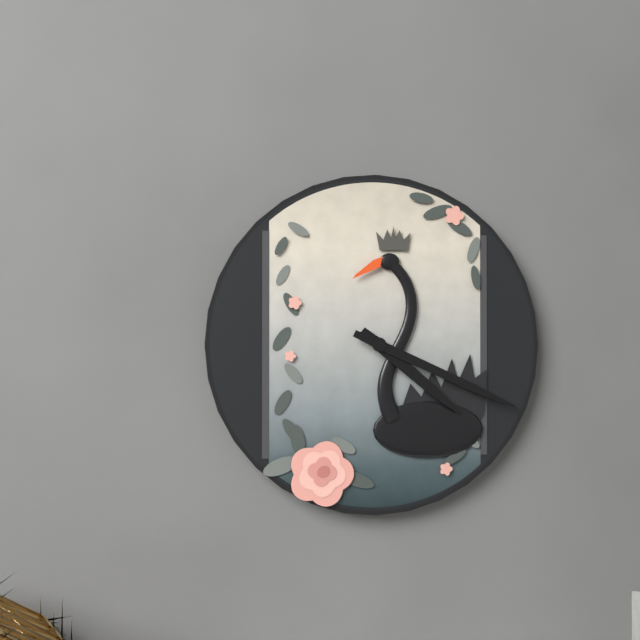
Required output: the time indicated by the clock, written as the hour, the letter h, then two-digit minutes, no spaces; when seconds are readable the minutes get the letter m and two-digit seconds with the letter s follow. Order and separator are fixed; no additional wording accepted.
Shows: 4h19
